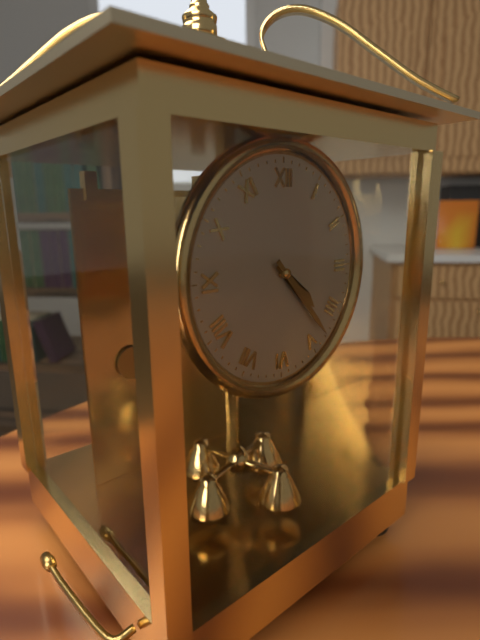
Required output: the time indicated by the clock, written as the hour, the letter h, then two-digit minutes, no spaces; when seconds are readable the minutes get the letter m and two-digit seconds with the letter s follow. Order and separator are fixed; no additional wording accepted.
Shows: 4h23
